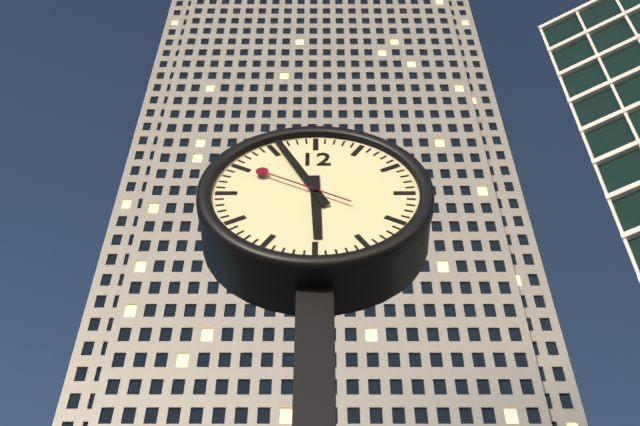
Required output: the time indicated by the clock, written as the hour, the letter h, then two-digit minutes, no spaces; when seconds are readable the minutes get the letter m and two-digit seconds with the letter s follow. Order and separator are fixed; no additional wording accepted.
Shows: 5h56m50s
